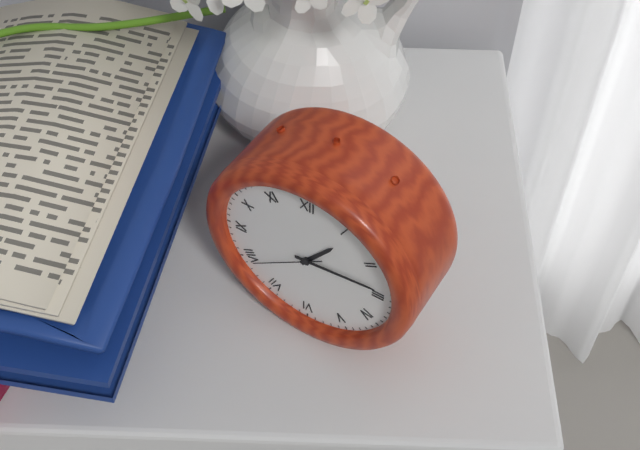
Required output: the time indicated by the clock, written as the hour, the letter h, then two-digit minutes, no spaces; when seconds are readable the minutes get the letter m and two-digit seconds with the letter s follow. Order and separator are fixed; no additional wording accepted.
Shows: 1h14m39s
